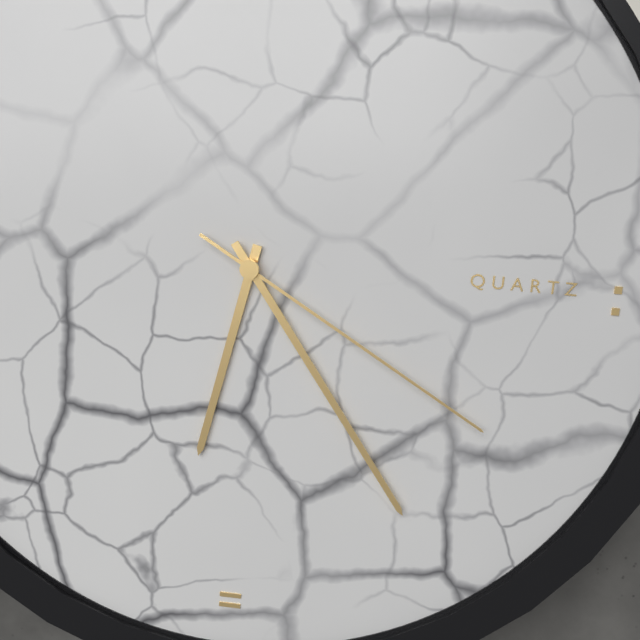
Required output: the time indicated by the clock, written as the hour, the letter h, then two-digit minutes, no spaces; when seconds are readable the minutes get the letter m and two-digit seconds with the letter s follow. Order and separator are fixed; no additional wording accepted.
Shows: 6h24m20s
